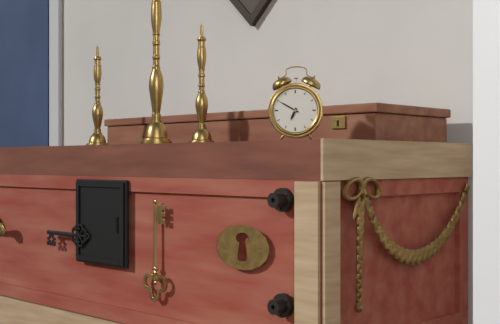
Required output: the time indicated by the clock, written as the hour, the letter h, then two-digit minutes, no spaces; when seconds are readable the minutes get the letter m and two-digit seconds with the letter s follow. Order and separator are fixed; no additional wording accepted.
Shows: 6h50
